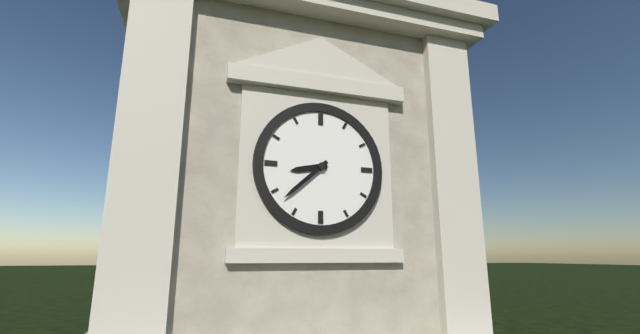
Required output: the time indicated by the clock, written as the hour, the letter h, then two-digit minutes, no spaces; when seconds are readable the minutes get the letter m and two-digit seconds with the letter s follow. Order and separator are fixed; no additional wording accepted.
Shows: 8h38
